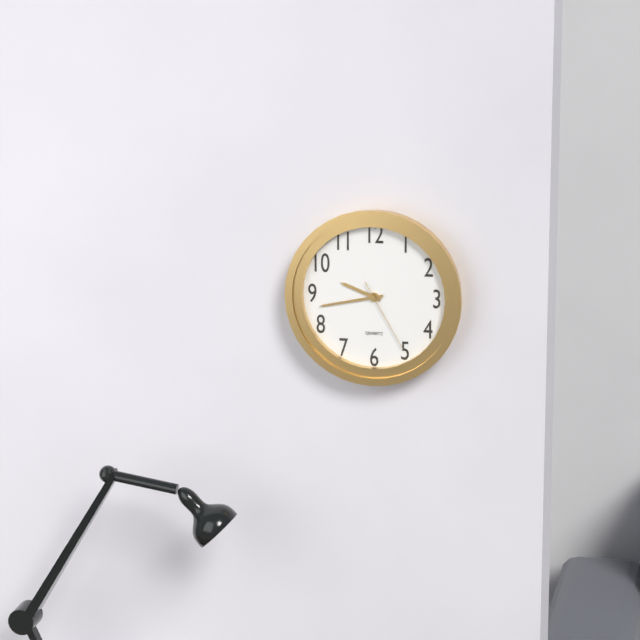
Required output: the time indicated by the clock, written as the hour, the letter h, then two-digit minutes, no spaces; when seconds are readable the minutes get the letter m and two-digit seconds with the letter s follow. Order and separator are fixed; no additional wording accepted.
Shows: 9h43m25s
